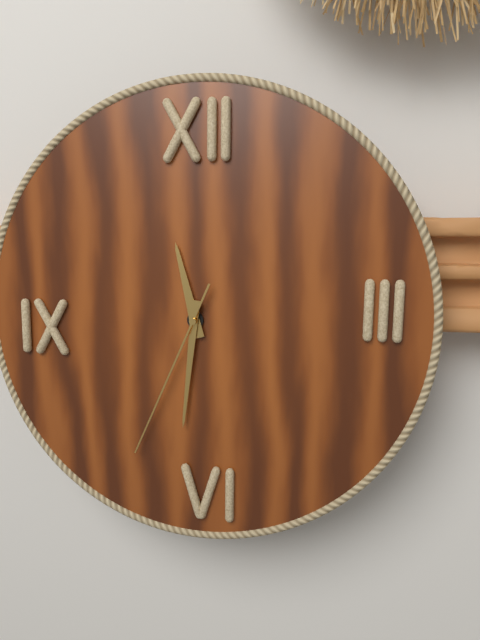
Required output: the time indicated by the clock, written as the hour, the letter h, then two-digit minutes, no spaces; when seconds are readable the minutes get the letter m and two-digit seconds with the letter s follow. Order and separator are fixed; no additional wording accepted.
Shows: 11h31m34s
